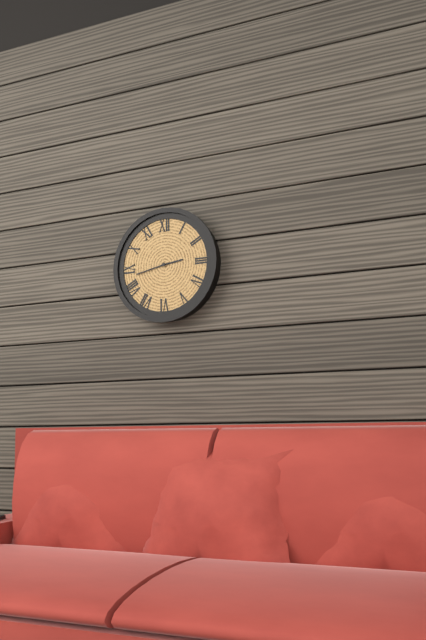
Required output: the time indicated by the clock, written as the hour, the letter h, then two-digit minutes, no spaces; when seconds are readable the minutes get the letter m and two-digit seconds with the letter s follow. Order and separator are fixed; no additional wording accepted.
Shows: 2h43
